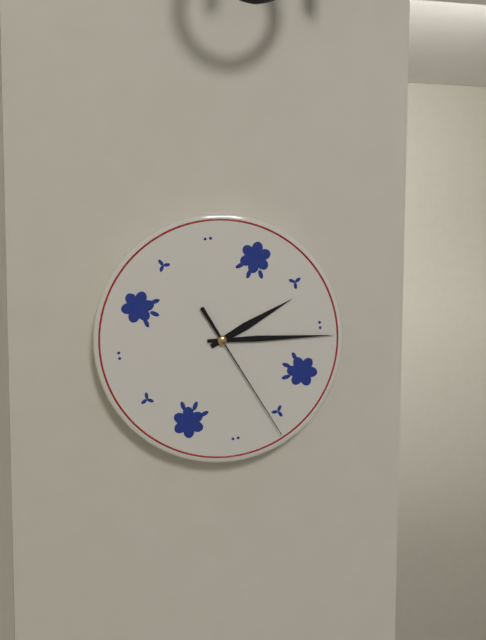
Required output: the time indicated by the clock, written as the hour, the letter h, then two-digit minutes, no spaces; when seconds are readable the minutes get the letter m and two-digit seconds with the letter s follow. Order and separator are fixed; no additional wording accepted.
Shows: 2h16m26s
